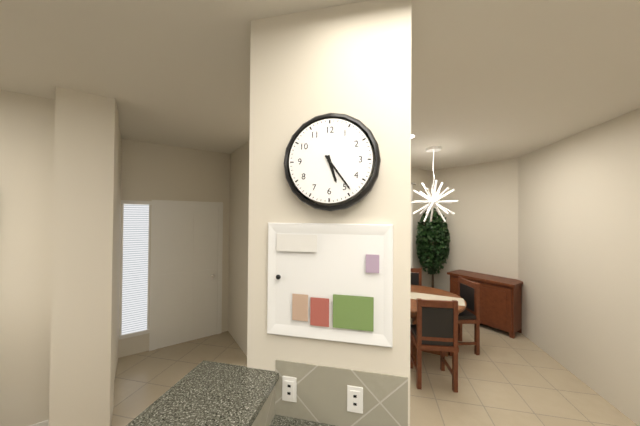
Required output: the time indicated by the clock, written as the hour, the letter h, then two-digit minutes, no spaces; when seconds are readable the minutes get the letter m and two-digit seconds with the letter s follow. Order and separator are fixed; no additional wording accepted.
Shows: 5h24
